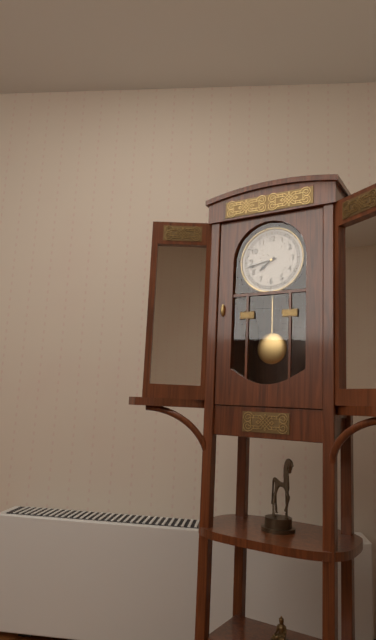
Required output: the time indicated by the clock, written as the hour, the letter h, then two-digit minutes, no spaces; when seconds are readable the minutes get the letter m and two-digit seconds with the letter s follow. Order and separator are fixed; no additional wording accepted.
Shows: 7h43
